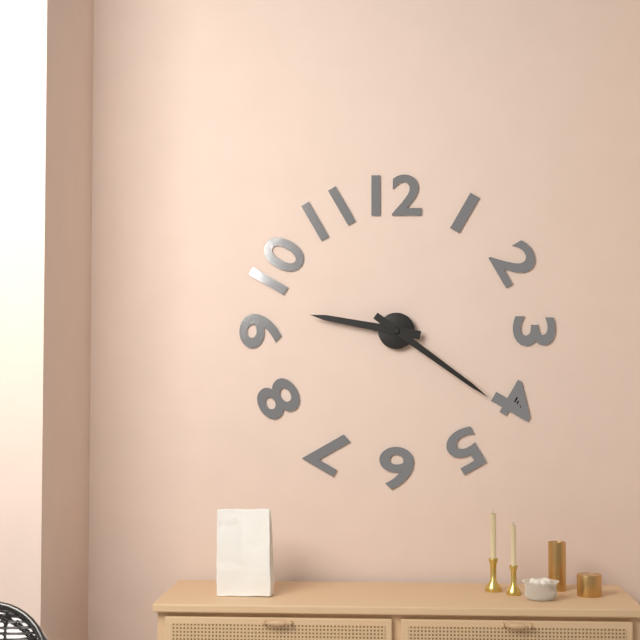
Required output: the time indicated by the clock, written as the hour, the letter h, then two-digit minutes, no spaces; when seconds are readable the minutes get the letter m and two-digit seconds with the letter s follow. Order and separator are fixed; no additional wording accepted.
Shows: 9h21
